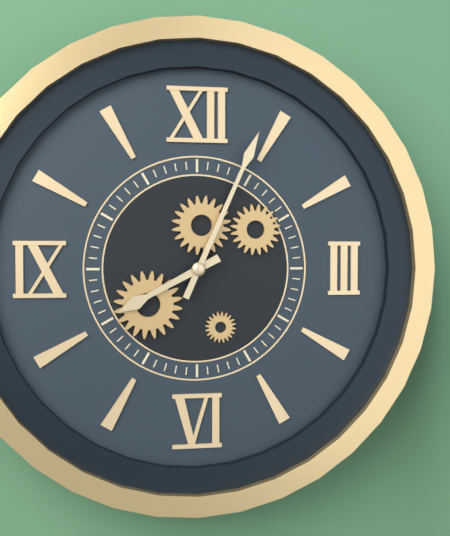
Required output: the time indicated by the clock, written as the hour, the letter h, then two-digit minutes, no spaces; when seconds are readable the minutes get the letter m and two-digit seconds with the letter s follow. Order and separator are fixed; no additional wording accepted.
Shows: 8h04
